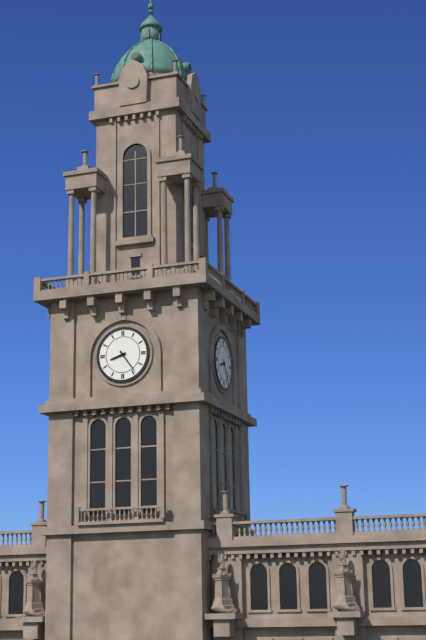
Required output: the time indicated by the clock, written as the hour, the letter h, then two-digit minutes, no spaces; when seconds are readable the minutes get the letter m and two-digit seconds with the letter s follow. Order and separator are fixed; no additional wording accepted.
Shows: 8h24
